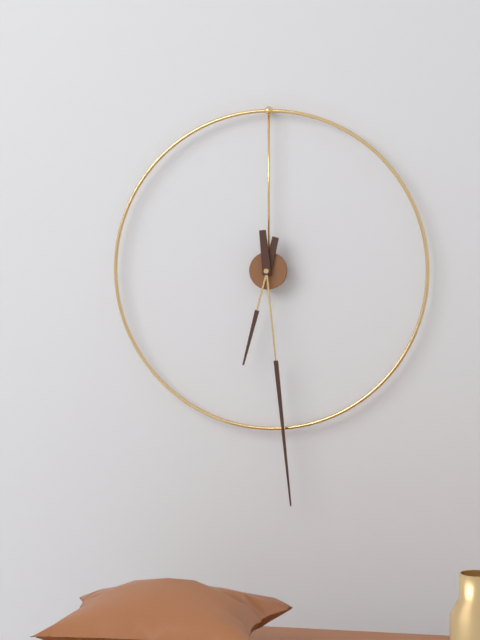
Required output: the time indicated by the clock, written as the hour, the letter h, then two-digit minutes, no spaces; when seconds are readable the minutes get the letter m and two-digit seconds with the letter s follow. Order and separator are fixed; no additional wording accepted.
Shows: 6h29
